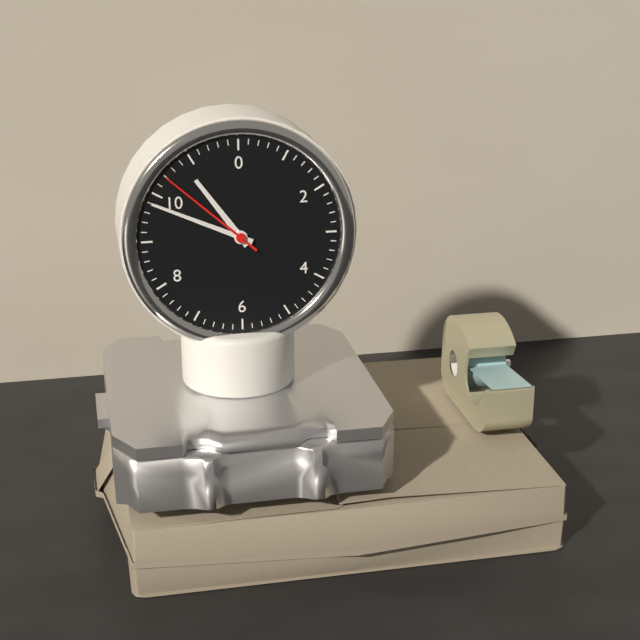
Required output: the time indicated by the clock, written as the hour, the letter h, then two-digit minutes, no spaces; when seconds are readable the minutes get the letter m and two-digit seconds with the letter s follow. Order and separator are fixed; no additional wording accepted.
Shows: 10h49m52s
